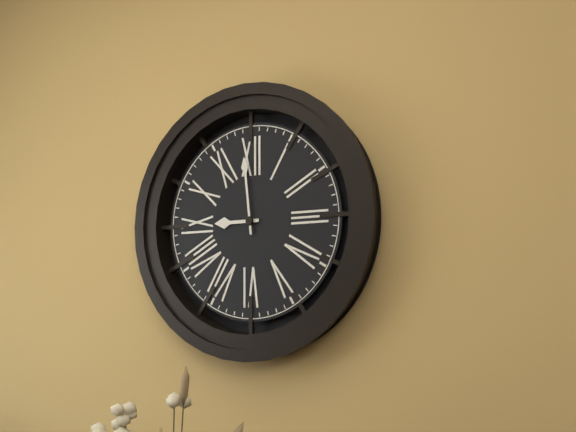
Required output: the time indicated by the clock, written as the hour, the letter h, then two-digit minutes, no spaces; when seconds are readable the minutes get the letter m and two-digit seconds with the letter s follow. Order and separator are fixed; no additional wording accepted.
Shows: 8h59
